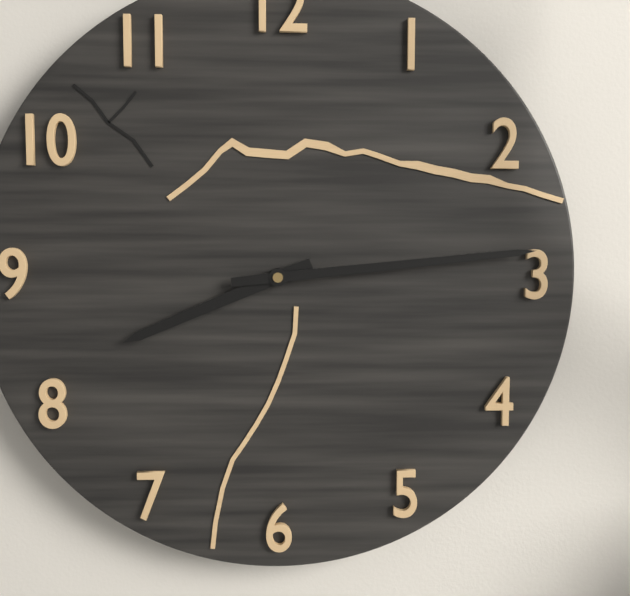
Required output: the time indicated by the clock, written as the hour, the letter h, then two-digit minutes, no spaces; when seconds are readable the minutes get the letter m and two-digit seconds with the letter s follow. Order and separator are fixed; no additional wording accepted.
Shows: 8h14
